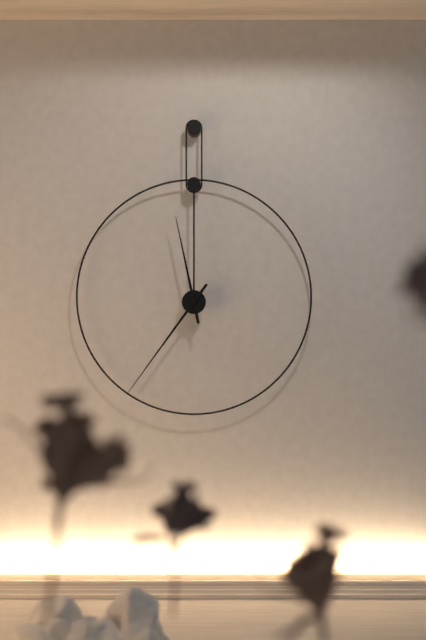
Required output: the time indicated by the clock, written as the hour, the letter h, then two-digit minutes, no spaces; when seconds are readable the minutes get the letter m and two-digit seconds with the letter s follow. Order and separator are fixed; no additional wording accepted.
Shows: 11h36
